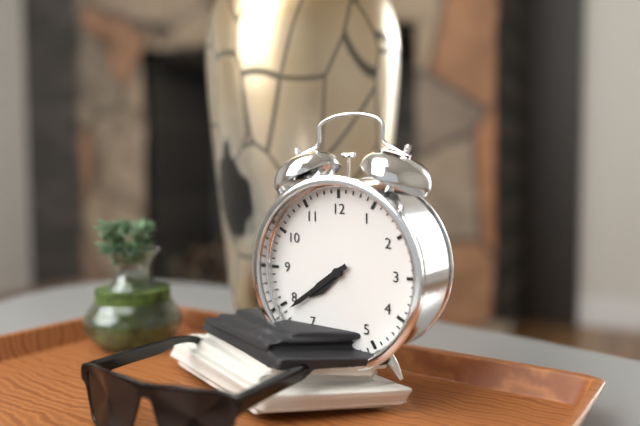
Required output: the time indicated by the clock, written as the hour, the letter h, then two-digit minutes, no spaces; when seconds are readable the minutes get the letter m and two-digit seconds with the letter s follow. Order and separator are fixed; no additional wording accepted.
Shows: 7h39
